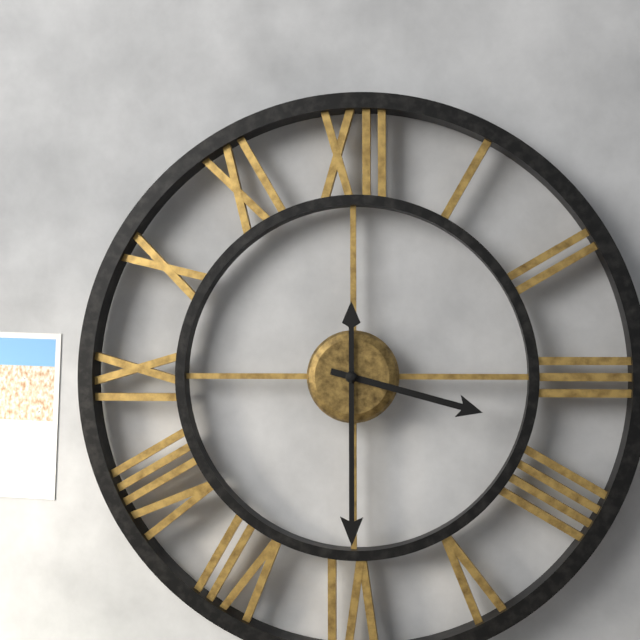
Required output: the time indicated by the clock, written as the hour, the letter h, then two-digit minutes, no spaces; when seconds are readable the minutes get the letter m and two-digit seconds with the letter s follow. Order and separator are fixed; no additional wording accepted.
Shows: 3h30
